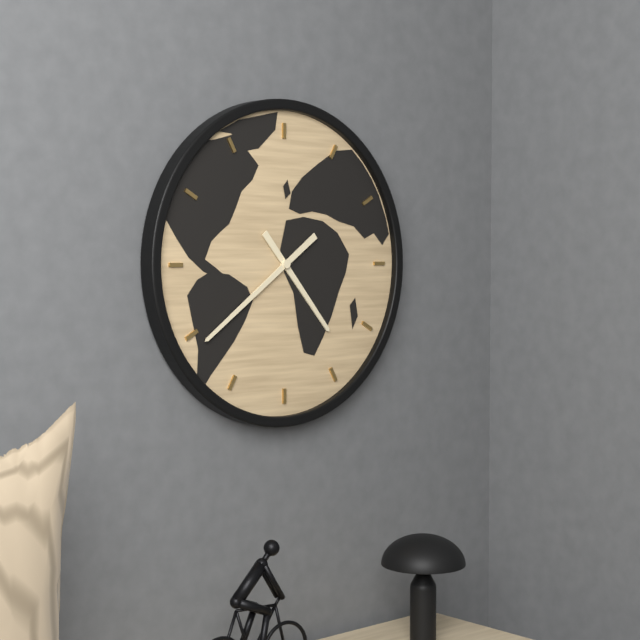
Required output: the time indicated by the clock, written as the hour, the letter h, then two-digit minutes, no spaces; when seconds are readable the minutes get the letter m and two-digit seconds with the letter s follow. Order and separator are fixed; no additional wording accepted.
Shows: 4h39
